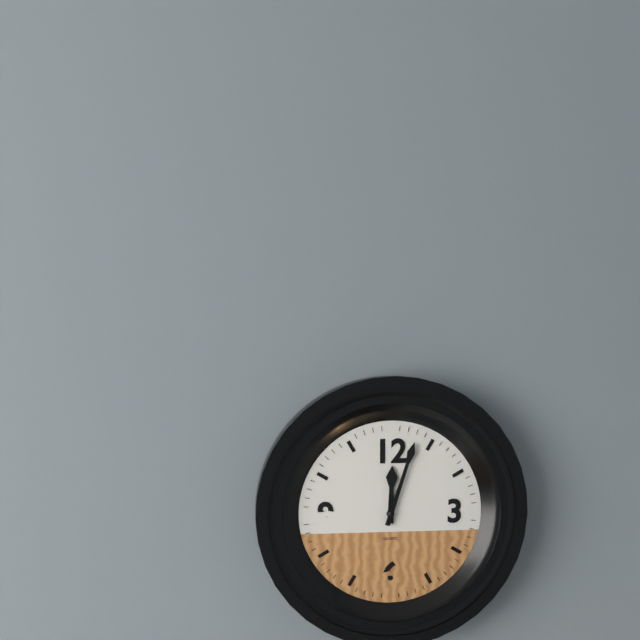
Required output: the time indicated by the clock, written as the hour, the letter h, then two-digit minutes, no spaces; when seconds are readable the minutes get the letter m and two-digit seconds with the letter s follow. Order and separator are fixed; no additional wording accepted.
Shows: 12h03
